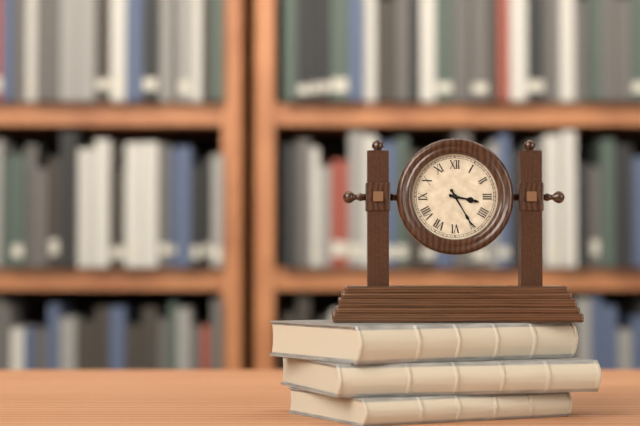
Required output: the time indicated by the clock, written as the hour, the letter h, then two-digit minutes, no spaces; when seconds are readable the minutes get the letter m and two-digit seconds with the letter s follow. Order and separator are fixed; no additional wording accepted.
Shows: 3h25
